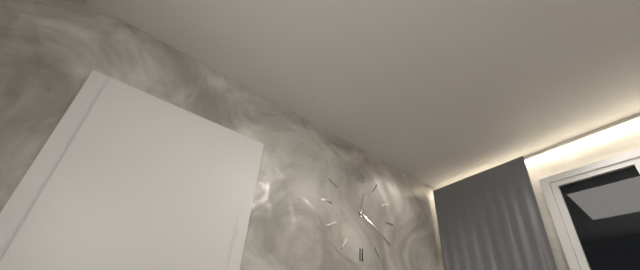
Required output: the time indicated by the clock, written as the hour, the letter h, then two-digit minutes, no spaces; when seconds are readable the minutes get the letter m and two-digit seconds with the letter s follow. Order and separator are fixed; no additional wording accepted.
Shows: 12h20
